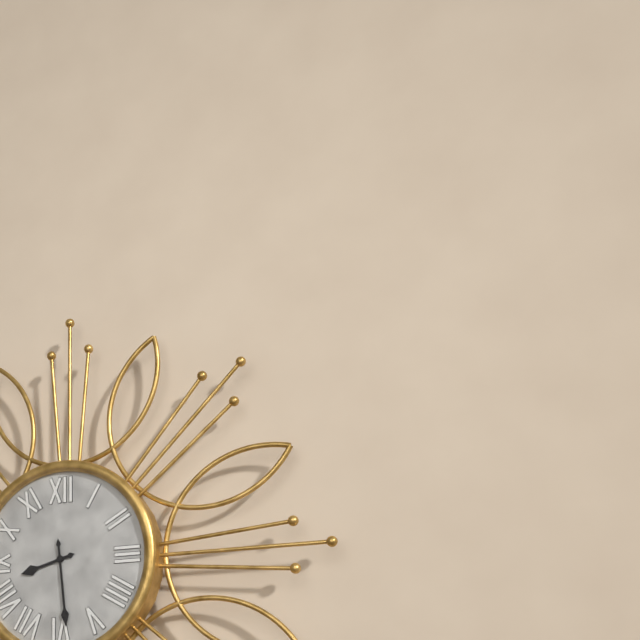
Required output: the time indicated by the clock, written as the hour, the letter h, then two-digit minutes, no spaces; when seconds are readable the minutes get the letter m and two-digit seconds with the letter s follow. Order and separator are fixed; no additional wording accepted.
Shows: 8h29
